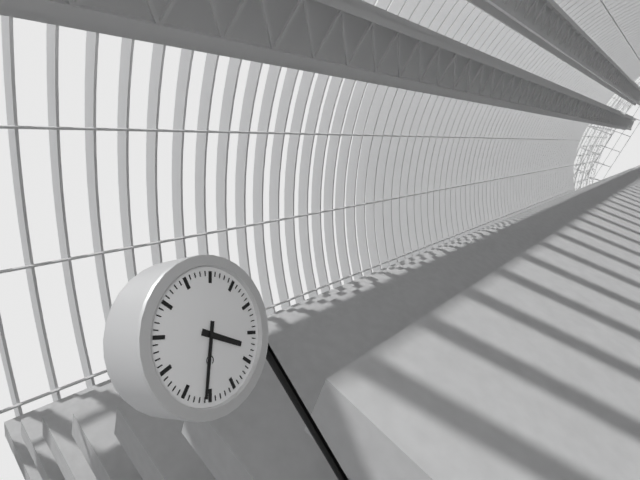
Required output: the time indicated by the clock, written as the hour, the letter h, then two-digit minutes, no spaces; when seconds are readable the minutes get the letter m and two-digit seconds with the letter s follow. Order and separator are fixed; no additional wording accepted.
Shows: 3h31
